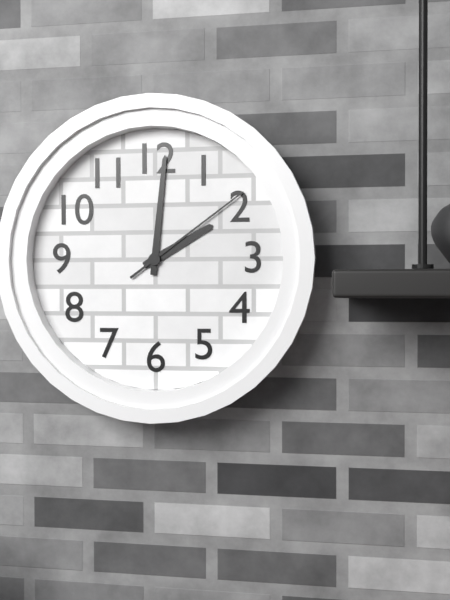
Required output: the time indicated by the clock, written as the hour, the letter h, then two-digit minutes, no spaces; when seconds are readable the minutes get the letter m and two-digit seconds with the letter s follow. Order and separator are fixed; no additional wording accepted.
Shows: 2h01m09s
